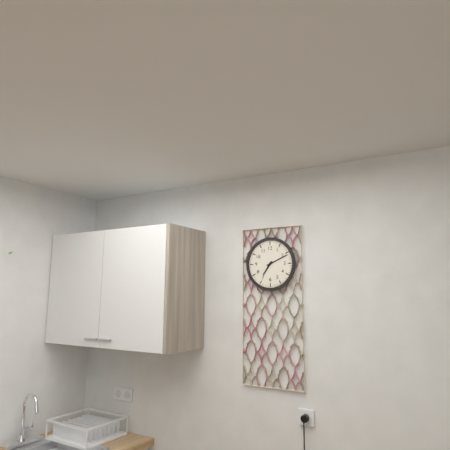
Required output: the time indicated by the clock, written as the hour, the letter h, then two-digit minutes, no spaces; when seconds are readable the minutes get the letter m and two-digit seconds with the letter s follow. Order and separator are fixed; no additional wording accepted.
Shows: 7h11
